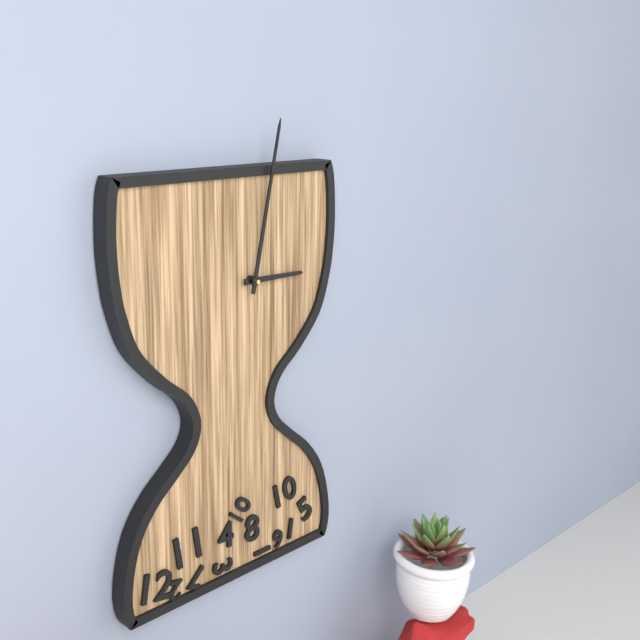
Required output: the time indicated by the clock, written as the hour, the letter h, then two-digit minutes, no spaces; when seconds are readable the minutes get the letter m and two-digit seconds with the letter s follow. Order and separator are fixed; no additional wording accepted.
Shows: 3h02
